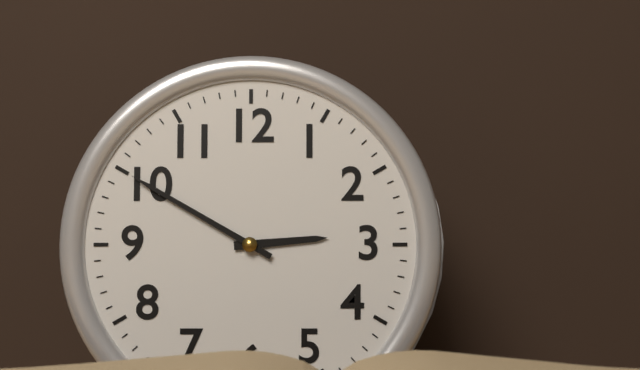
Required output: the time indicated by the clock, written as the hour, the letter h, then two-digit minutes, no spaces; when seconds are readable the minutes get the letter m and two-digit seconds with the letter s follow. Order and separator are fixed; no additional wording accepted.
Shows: 2h50
